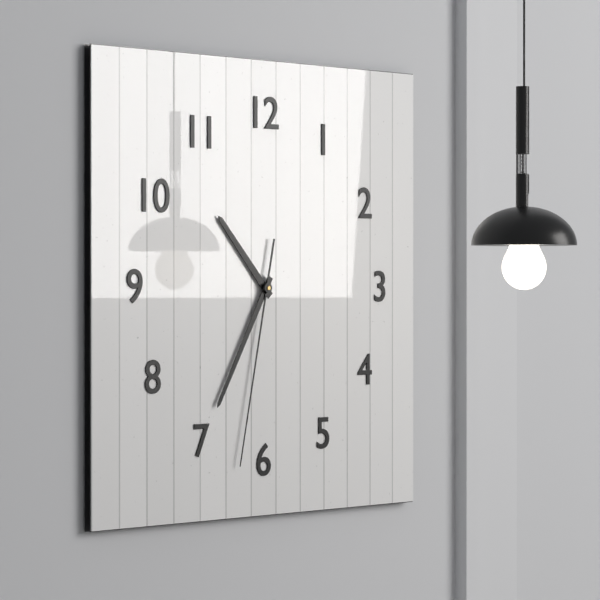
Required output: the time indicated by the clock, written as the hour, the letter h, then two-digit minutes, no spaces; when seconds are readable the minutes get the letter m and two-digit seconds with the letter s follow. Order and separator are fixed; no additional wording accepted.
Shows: 10h35m32s
